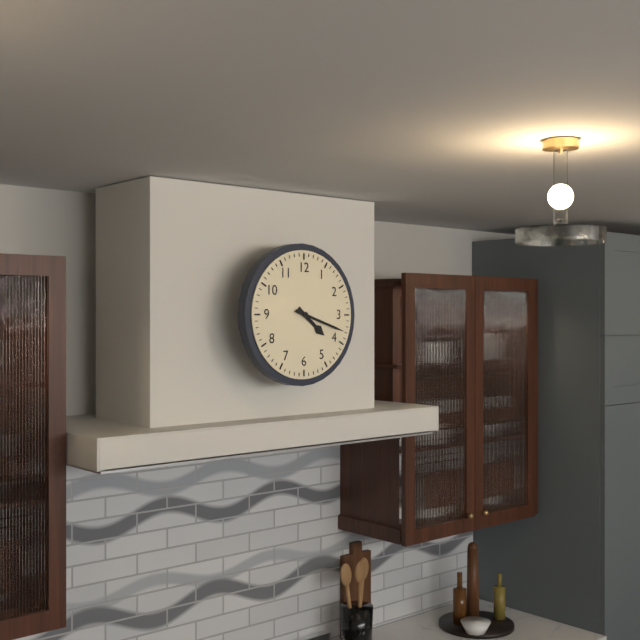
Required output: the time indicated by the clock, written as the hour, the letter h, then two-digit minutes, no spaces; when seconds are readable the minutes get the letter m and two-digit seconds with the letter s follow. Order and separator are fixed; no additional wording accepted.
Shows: 4h18
